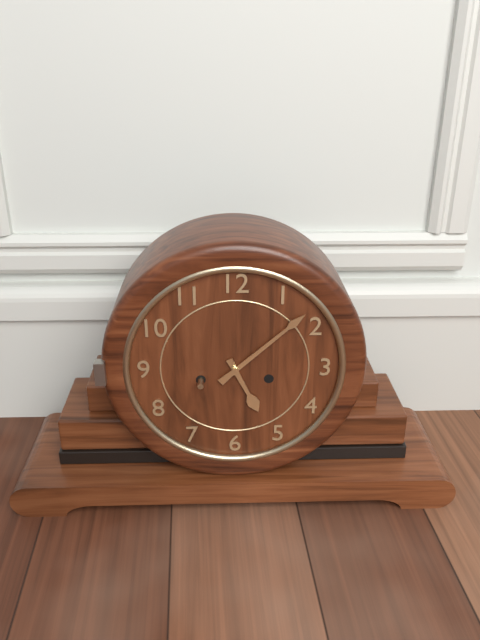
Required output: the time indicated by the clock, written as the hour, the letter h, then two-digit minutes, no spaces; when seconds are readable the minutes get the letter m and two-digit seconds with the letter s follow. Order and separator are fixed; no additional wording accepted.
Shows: 5h08
